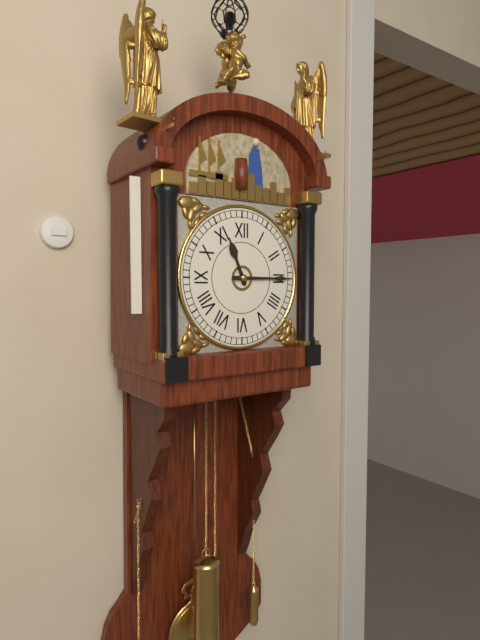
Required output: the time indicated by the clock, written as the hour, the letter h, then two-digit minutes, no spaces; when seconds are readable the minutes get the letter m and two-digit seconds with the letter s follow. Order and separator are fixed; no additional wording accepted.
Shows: 11h15
